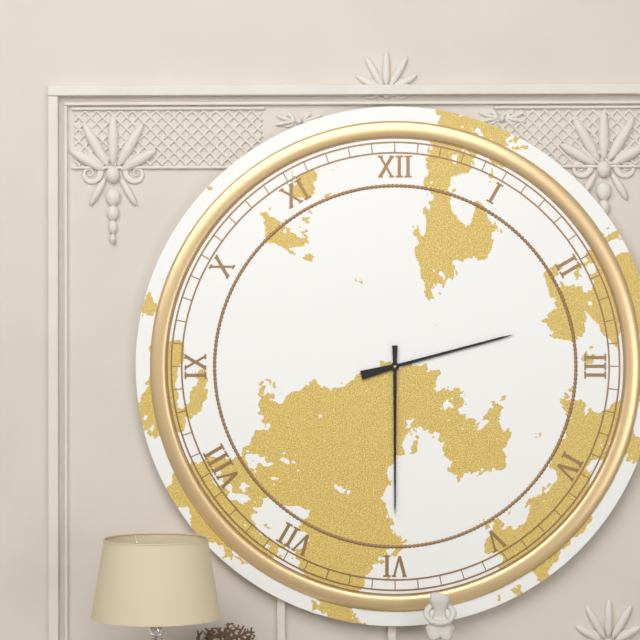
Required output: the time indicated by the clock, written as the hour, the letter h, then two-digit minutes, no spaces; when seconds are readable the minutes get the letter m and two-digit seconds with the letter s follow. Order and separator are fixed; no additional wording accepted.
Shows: 2h30
